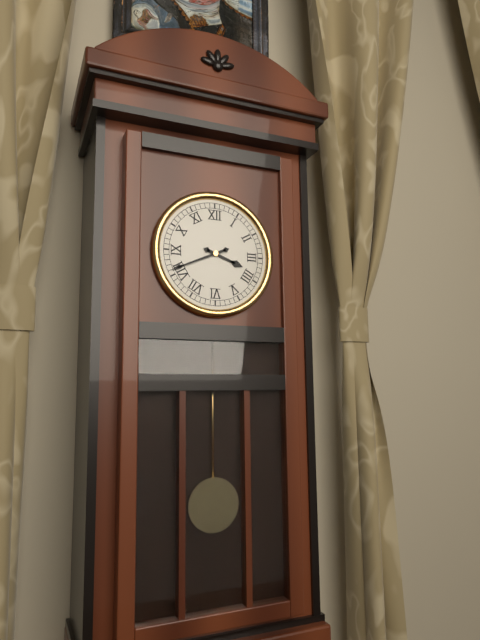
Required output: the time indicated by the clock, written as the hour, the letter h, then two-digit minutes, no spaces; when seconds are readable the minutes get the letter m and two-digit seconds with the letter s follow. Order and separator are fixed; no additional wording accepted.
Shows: 3h41
